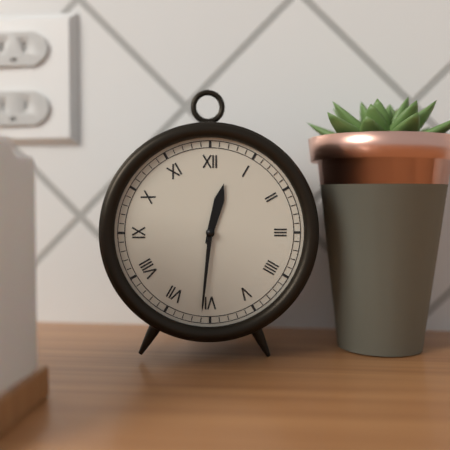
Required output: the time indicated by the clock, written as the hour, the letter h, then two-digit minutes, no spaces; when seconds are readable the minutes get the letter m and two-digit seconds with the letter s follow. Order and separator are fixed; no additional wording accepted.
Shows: 12h31
